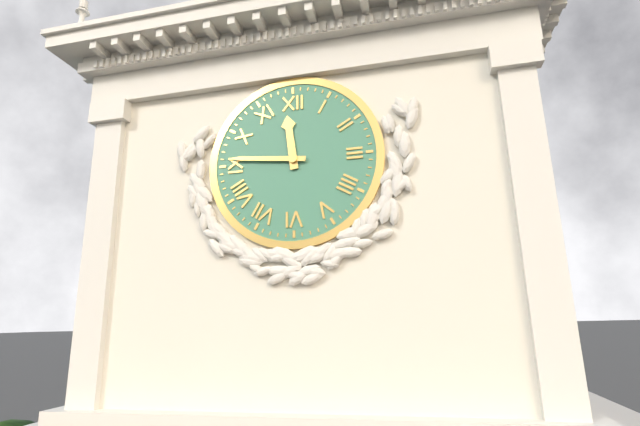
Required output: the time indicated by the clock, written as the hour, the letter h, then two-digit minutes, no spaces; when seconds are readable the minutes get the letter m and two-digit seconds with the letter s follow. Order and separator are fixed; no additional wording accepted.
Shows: 11h46
